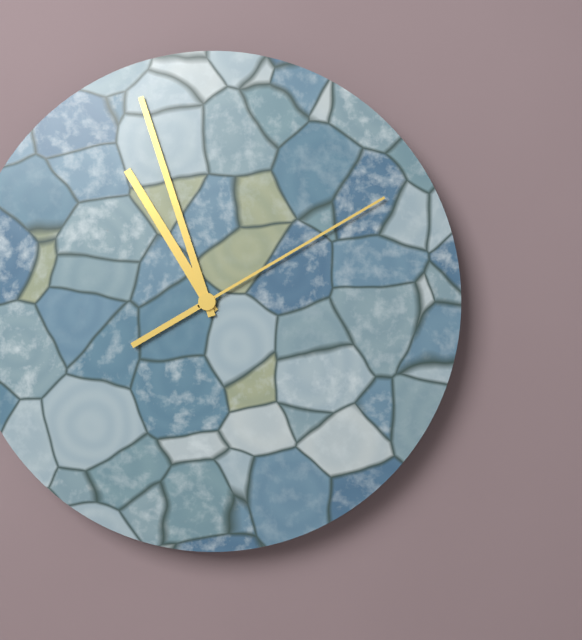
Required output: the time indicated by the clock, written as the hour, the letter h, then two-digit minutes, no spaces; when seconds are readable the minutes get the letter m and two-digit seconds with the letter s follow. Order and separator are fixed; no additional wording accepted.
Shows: 10h57m10s
